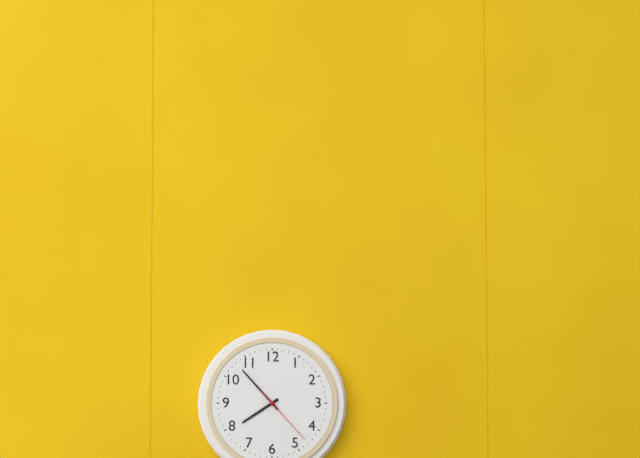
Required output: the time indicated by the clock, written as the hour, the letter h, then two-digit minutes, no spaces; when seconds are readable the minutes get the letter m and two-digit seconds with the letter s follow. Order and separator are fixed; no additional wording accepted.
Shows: 7h53m23s
